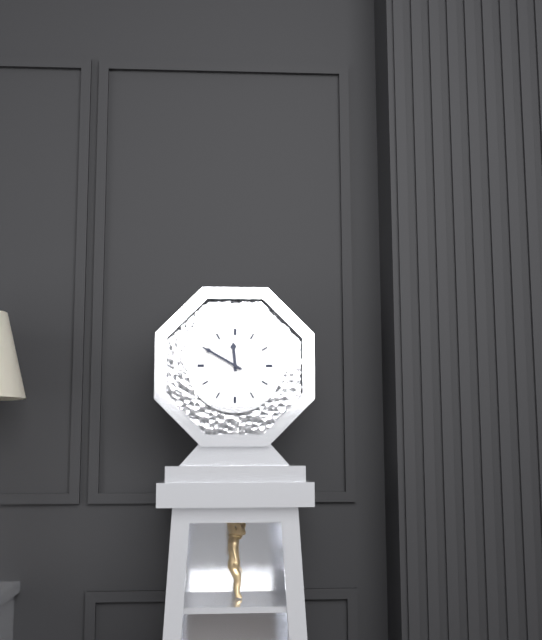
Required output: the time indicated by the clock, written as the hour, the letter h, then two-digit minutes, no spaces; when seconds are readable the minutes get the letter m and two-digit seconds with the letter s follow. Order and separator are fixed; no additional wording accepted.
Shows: 11h50
